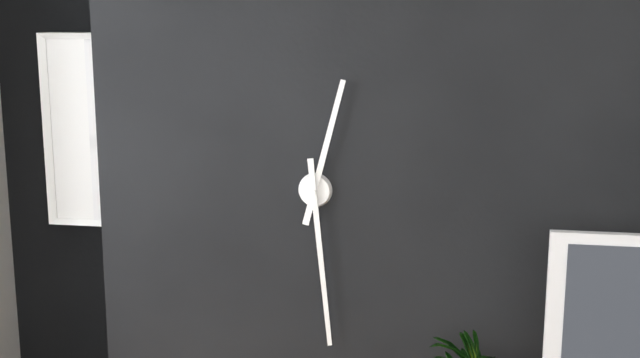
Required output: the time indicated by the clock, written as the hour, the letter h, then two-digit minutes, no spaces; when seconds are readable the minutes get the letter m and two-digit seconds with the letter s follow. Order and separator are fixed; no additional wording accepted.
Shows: 12h29
